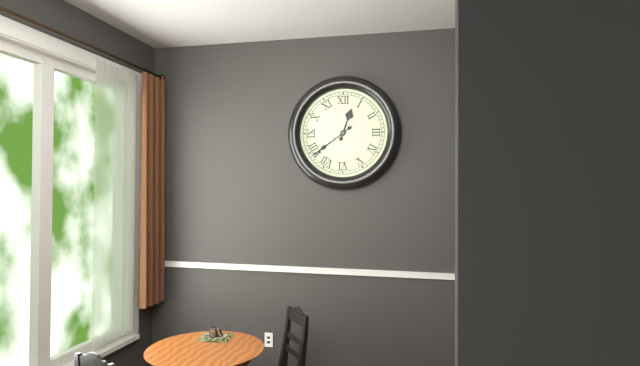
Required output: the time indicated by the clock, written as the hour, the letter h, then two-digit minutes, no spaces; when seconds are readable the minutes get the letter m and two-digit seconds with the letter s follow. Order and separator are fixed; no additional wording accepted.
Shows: 12h39
